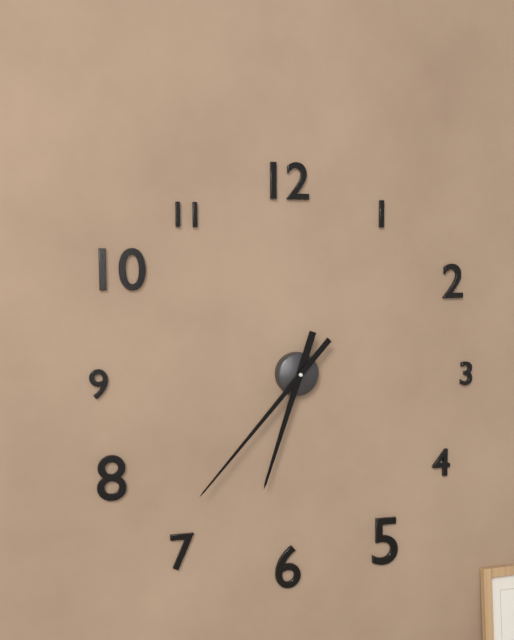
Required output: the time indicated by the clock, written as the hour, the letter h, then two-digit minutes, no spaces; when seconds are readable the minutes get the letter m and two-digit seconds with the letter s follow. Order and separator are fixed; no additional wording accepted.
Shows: 6h37
